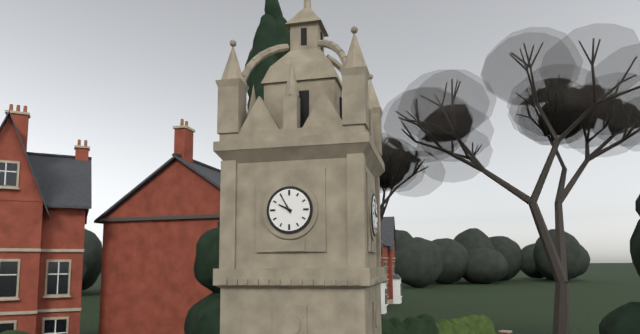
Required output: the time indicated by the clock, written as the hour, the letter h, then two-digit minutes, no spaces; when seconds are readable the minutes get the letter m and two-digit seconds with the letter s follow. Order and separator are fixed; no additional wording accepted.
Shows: 9h55
